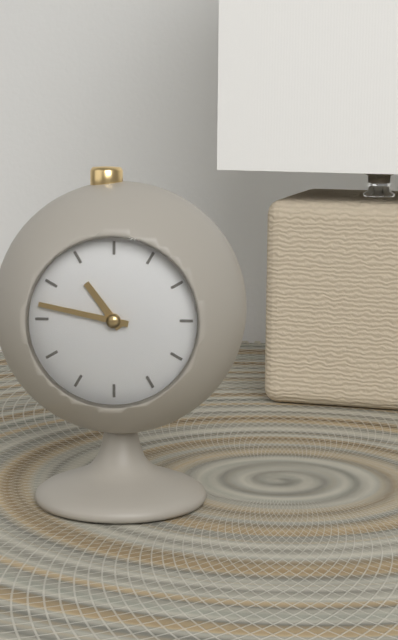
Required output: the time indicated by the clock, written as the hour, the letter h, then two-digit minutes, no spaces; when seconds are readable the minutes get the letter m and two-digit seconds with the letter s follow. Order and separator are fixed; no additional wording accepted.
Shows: 10h47
